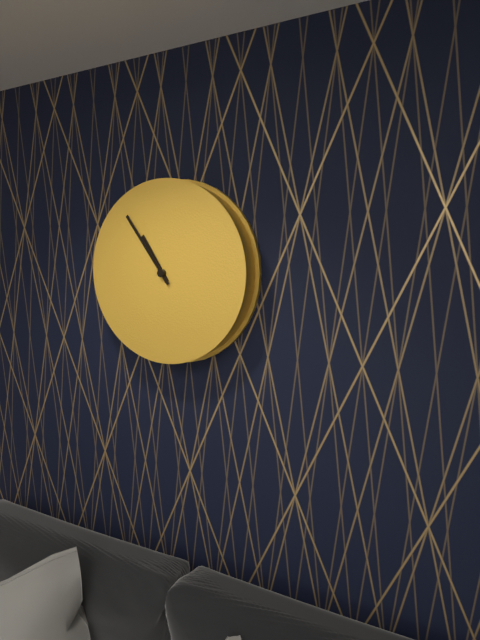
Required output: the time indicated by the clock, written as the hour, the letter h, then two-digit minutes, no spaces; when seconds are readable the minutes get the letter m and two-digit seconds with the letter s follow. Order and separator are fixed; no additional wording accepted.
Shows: 10h54
